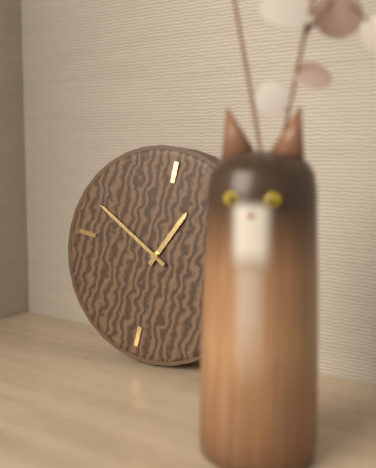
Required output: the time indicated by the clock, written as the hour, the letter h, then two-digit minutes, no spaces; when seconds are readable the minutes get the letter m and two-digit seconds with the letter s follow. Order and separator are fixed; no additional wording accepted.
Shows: 12h49
